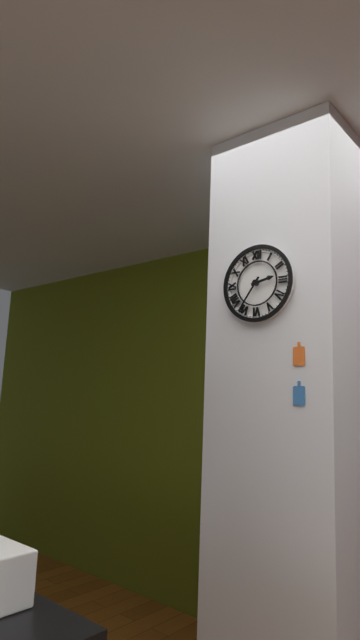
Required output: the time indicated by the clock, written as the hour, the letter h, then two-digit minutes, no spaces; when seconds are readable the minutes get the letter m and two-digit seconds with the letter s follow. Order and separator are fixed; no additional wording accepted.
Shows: 2h36
